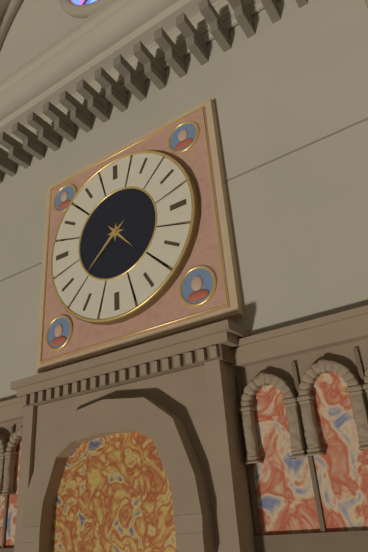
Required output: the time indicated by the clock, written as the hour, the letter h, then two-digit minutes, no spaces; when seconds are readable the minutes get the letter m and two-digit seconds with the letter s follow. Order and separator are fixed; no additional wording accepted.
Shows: 4h38
